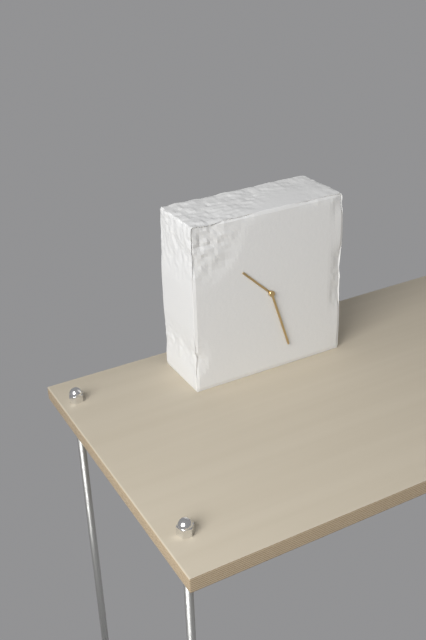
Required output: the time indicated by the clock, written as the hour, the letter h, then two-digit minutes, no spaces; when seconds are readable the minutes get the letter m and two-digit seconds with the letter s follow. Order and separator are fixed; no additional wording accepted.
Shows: 10h27
